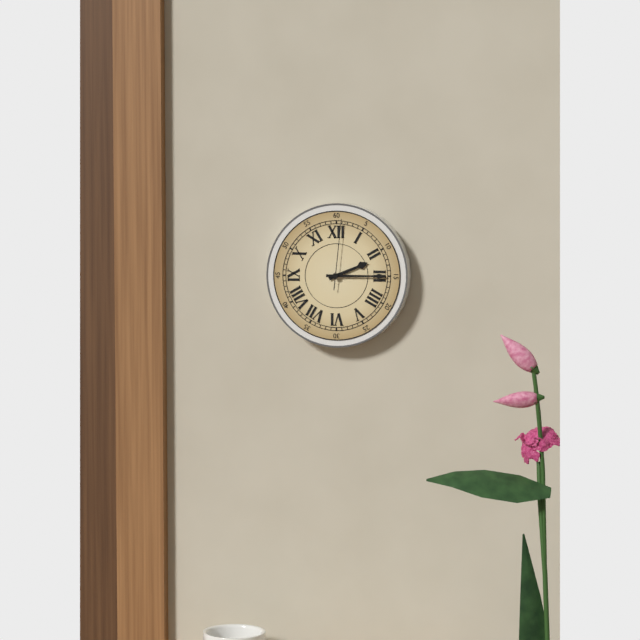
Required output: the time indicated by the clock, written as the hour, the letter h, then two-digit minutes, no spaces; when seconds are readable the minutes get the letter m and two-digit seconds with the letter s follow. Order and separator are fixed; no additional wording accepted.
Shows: 2h15m01s
